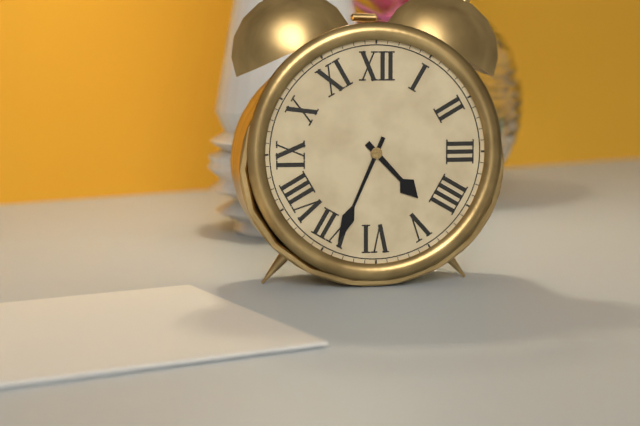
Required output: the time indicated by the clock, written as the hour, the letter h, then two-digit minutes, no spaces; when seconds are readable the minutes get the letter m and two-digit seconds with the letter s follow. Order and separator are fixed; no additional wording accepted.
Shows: 4h34
